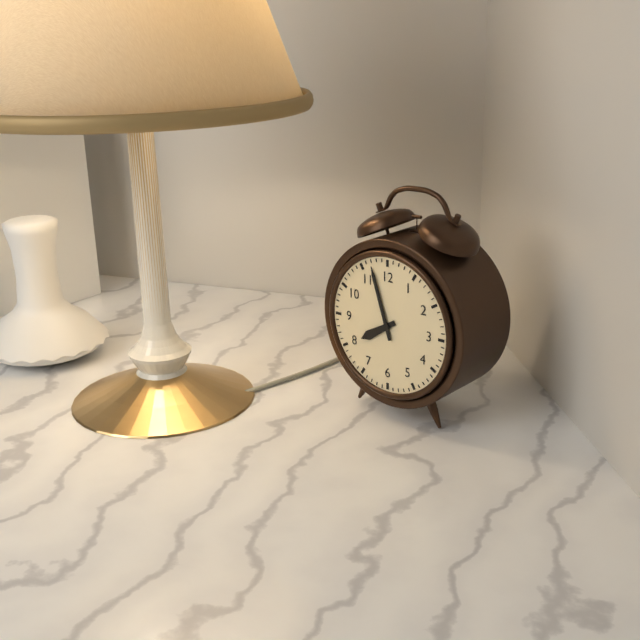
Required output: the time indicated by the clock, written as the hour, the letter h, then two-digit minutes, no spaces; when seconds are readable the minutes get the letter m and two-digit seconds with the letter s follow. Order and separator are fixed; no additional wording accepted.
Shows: 7h57
